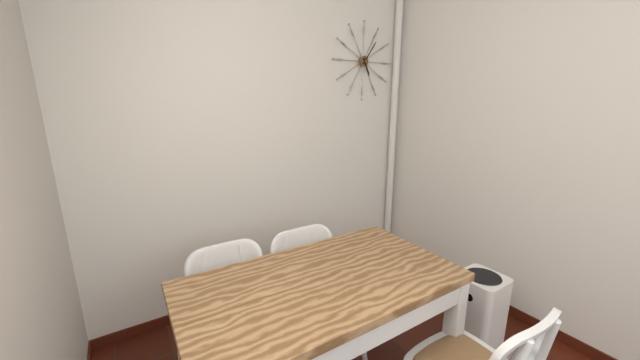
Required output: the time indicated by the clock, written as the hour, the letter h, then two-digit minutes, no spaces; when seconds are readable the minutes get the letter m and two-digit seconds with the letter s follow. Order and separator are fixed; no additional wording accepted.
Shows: 5h06
